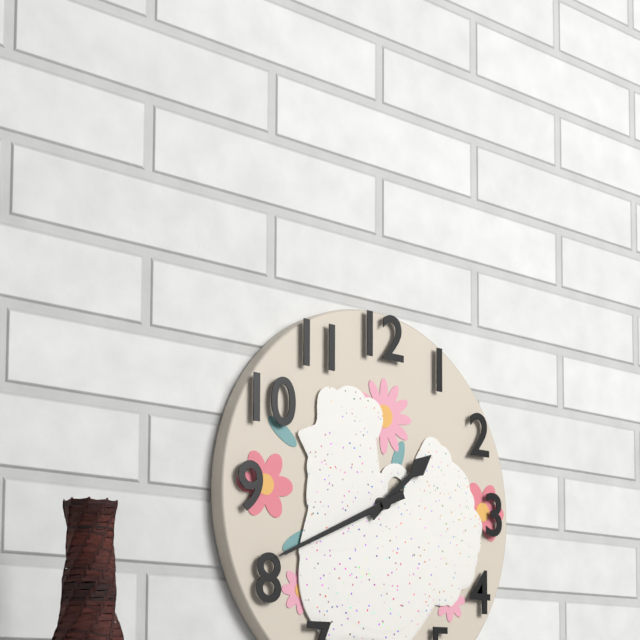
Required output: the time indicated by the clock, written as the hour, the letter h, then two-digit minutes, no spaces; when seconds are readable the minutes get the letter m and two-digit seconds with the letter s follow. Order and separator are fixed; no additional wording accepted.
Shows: 1h41
